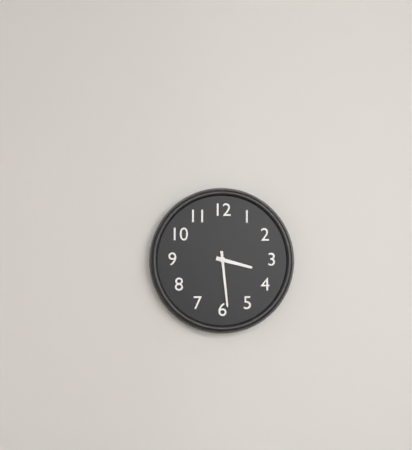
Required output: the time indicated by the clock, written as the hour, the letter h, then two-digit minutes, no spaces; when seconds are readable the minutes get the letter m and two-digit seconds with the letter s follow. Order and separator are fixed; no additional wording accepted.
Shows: 3h29
